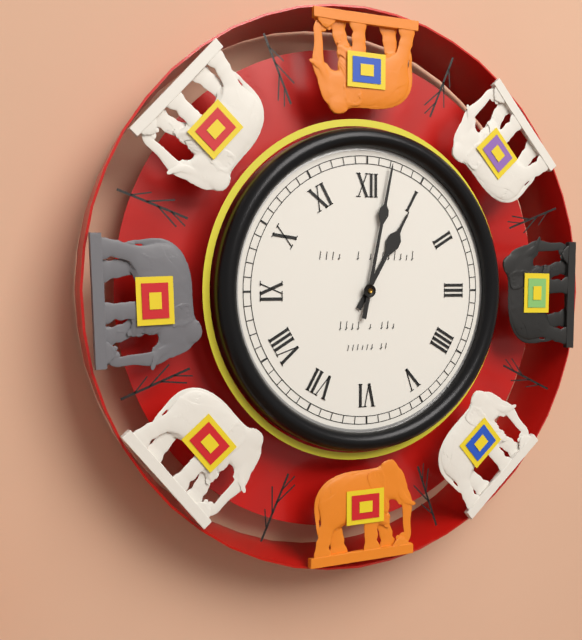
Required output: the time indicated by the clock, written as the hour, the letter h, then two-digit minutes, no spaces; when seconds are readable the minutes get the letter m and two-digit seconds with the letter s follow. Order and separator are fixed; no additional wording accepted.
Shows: 1h02
